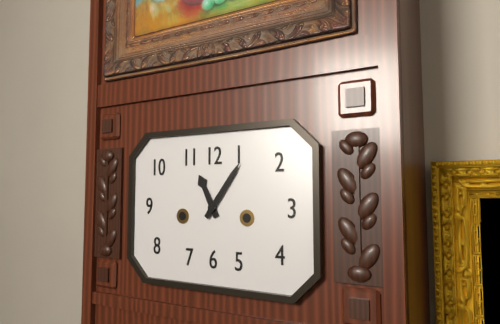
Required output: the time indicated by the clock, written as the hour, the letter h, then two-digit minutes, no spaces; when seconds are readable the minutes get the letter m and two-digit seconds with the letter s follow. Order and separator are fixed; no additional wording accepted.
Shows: 11h06
